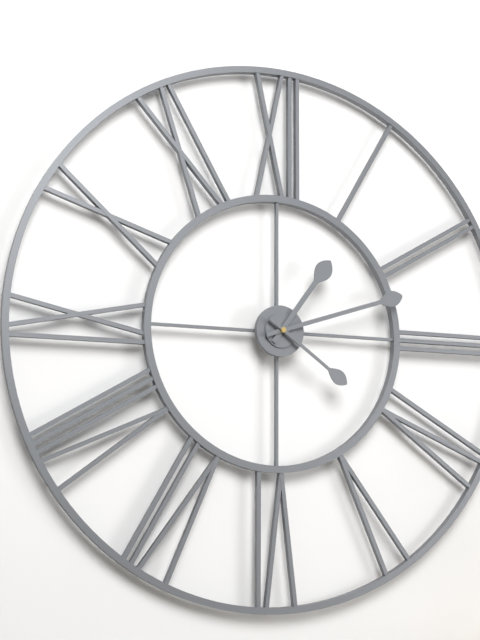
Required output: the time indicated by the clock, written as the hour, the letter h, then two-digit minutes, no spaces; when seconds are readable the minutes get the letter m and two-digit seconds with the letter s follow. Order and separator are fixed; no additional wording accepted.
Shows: 1h12m21s
